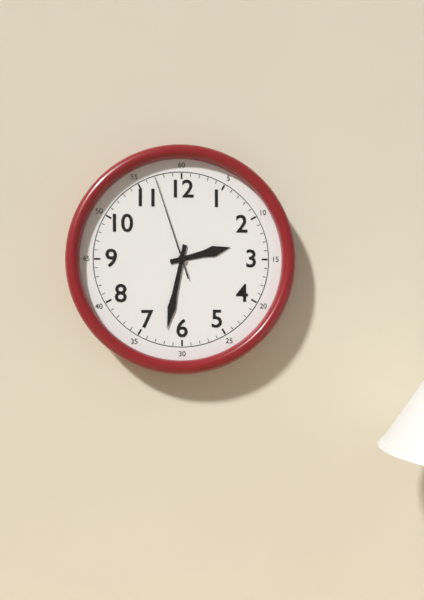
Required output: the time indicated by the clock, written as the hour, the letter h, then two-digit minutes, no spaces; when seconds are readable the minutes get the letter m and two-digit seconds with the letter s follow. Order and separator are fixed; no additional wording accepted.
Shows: 2h32m57s
